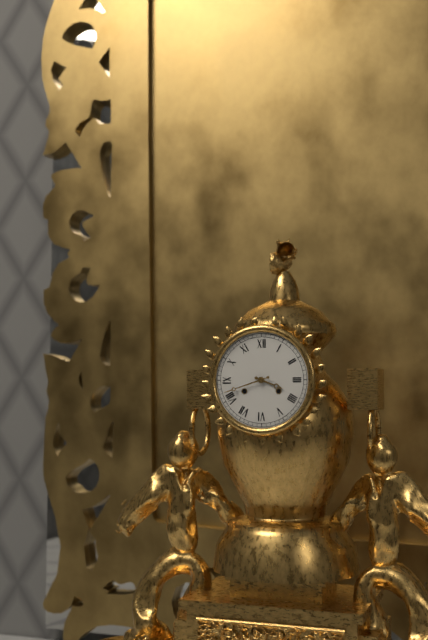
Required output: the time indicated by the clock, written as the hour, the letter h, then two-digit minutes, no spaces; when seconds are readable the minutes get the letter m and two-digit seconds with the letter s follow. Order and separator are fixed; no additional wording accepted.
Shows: 3h42
